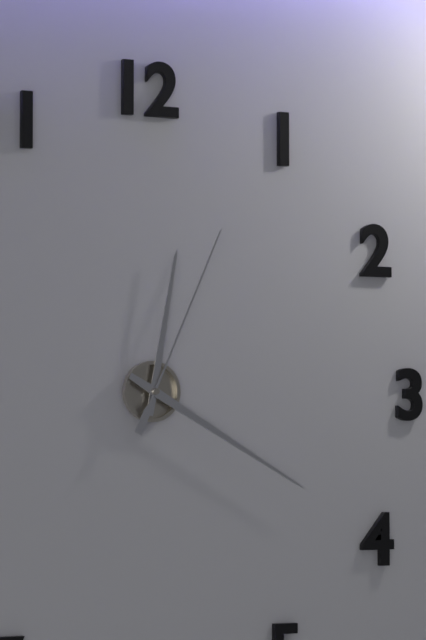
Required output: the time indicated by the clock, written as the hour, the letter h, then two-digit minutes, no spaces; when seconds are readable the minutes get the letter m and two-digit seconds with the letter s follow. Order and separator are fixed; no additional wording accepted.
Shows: 12h20m04s
